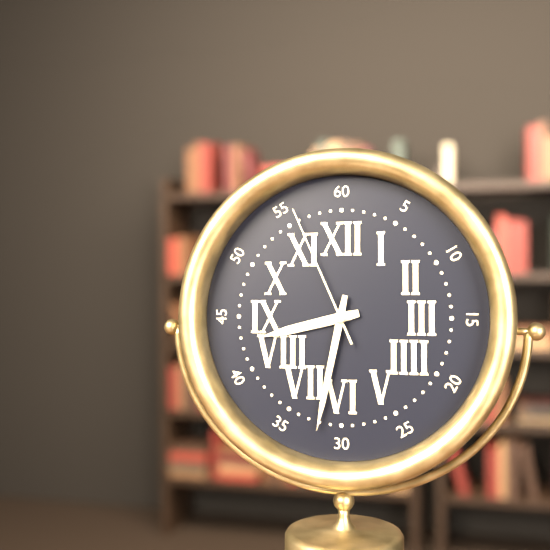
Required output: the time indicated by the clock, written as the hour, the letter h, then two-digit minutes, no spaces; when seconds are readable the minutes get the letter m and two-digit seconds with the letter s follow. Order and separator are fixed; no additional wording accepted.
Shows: 8h32m56s
